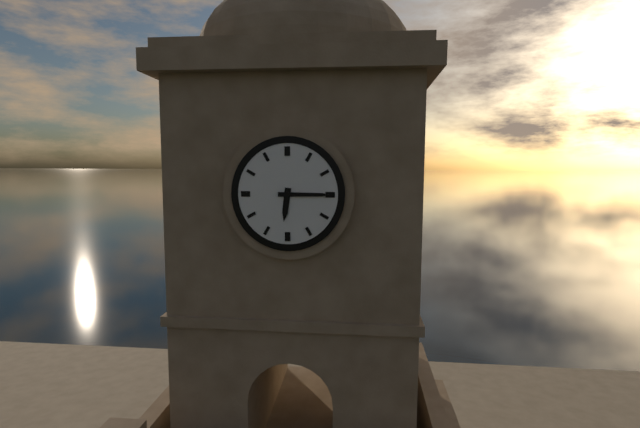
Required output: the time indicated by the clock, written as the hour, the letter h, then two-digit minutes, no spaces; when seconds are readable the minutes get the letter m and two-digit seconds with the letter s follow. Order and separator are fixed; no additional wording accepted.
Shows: 6h15
